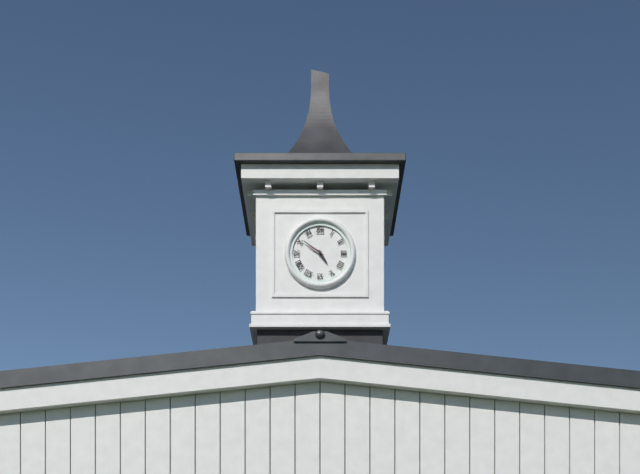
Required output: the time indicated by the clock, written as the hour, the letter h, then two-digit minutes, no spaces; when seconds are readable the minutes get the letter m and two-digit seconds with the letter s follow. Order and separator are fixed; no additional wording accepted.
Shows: 4h51
